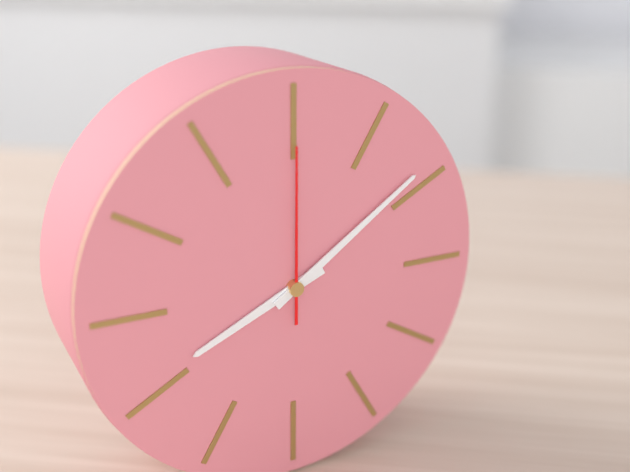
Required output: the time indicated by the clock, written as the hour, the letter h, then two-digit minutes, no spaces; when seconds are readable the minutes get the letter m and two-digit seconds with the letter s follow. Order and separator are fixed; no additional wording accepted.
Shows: 8h09m00s
